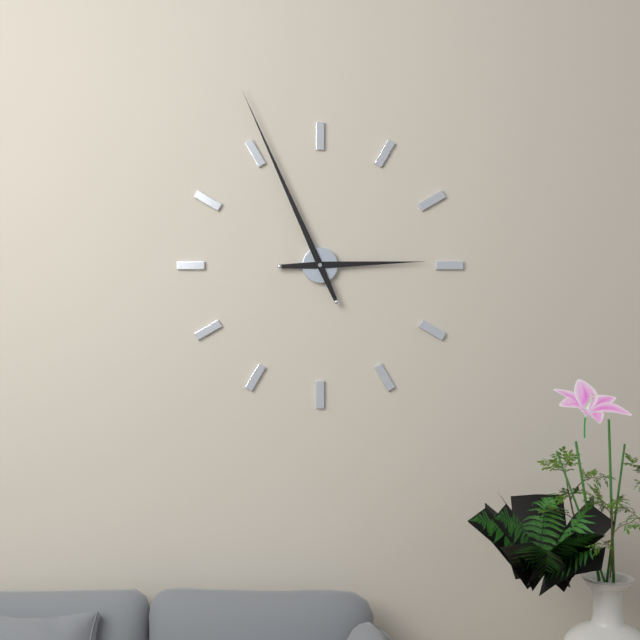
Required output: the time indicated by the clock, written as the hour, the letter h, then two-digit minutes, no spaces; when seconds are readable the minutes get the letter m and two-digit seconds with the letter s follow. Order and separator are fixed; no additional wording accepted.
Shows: 2h56
